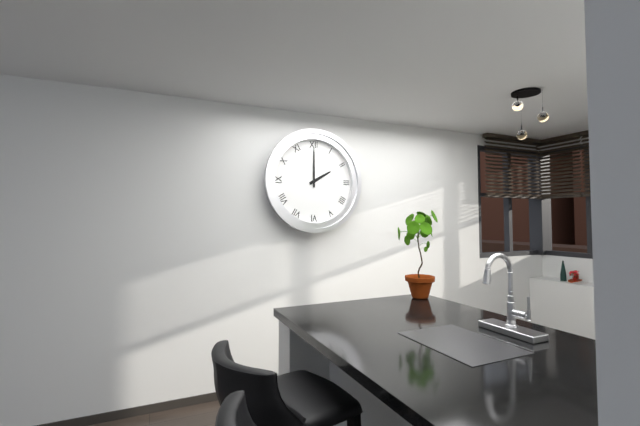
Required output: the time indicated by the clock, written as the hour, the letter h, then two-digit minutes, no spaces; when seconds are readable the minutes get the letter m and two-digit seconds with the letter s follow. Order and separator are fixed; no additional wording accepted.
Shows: 2h00
